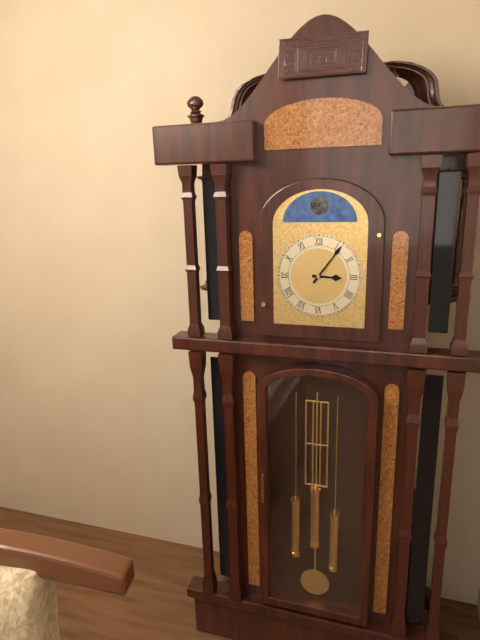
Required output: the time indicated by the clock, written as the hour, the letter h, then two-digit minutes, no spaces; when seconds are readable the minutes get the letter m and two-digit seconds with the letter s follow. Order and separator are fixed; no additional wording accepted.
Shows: 3h06
